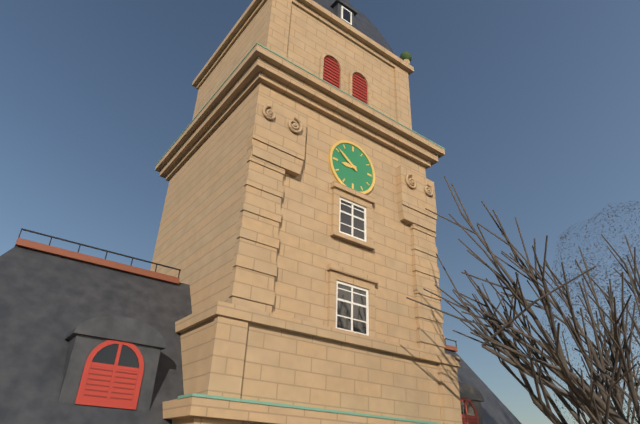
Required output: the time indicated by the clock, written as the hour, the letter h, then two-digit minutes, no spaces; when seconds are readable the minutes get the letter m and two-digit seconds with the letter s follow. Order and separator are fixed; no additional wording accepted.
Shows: 8h51
